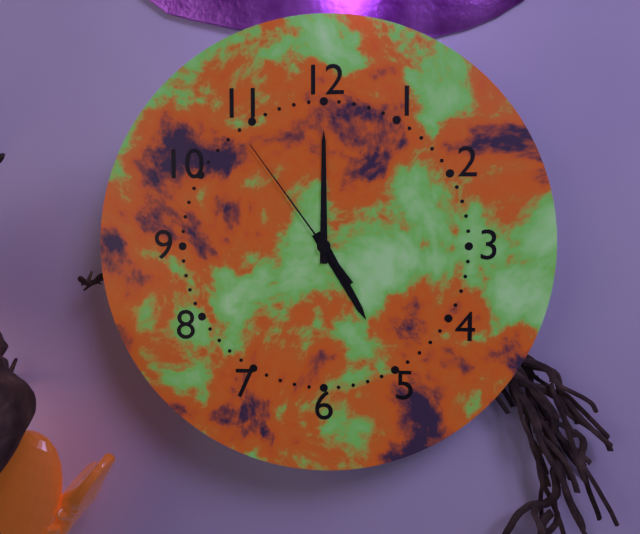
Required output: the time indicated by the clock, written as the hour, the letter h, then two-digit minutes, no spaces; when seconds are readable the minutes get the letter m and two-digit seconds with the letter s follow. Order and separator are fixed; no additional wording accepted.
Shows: 5h00m54s
